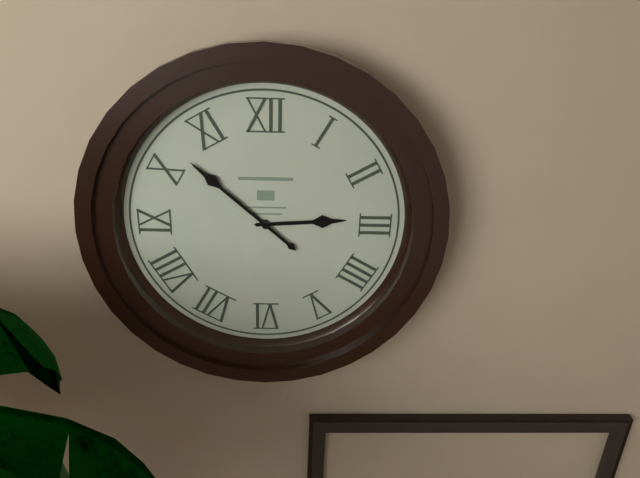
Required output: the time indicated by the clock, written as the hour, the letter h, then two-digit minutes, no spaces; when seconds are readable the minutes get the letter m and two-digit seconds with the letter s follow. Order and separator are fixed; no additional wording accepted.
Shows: 2h52
